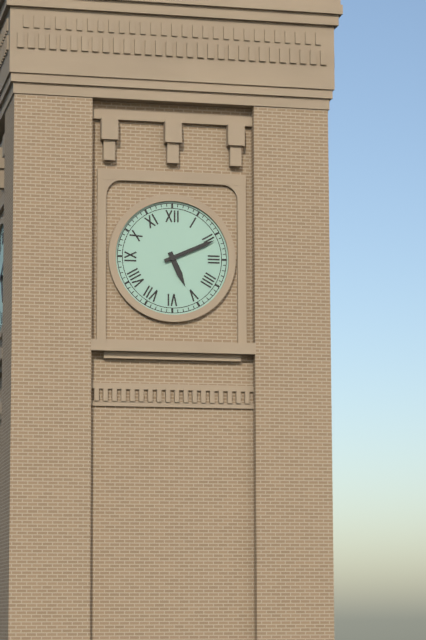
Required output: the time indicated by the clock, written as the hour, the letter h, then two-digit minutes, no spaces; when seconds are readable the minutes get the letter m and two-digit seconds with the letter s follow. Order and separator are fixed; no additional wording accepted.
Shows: 5h11
